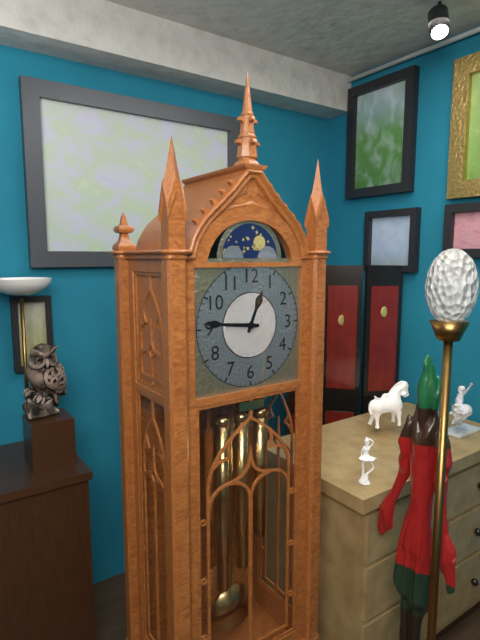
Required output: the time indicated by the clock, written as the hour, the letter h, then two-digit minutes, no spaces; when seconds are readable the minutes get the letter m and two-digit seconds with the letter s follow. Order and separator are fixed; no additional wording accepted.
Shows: 12h46
